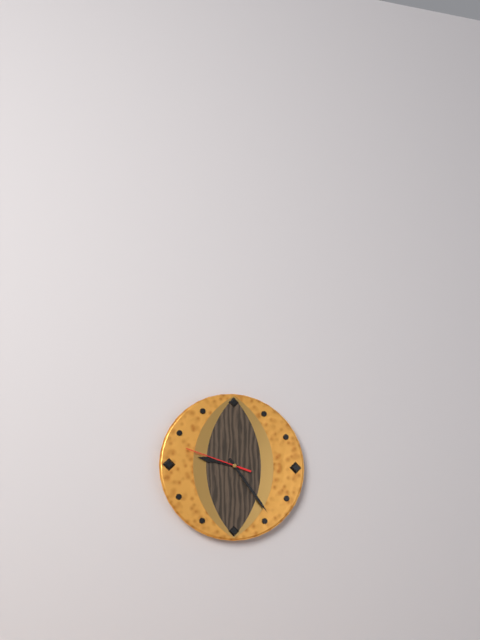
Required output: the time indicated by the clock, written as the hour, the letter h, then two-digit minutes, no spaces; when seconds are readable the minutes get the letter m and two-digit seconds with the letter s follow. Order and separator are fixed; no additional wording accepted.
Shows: 9h24m48s
